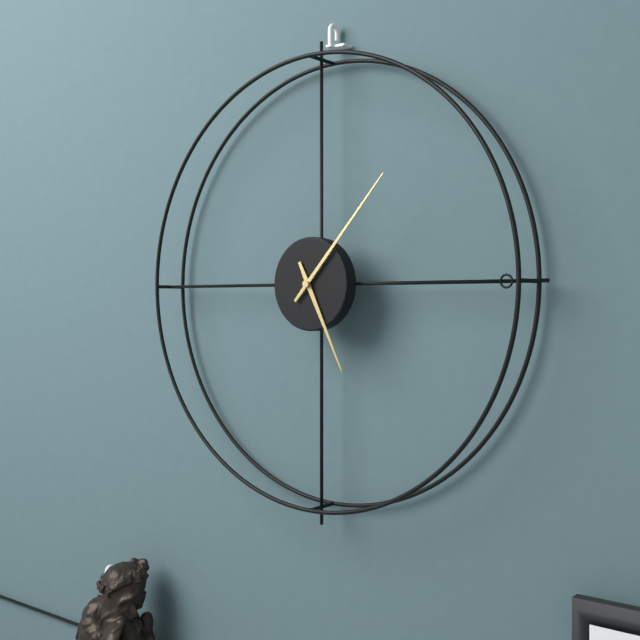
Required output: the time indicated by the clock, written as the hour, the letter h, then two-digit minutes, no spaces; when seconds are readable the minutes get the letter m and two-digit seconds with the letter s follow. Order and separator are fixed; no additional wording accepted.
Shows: 5h07
